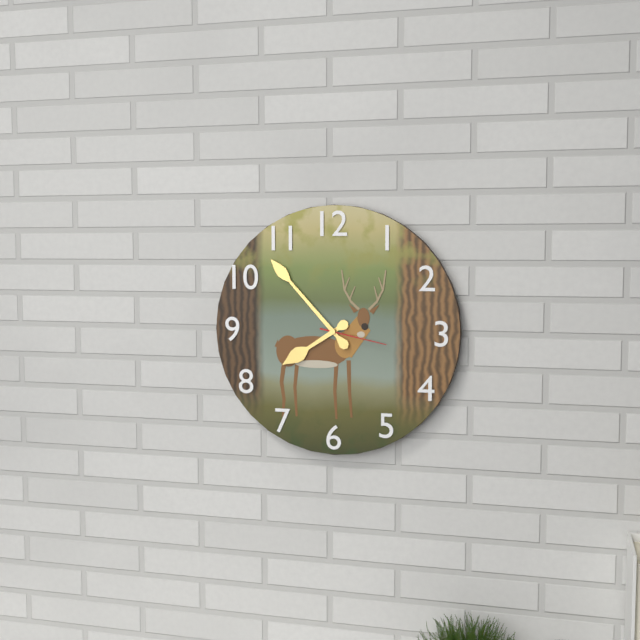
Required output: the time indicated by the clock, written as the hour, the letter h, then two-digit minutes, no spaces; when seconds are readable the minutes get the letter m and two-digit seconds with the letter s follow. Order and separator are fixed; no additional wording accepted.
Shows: 7h53m17s
